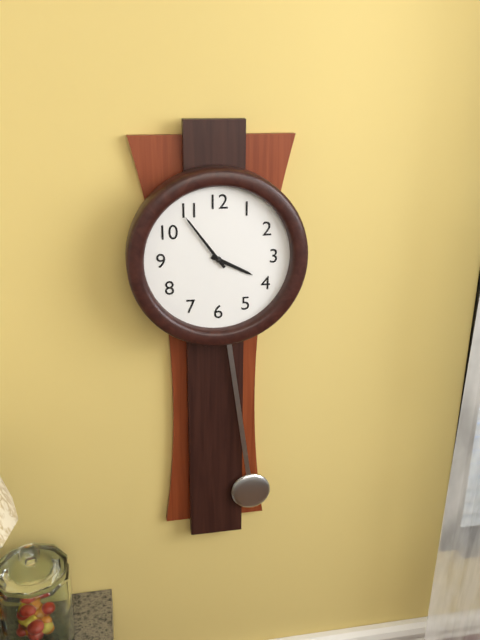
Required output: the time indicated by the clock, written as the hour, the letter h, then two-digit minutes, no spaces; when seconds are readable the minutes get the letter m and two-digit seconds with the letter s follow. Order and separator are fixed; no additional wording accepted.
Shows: 3h54
